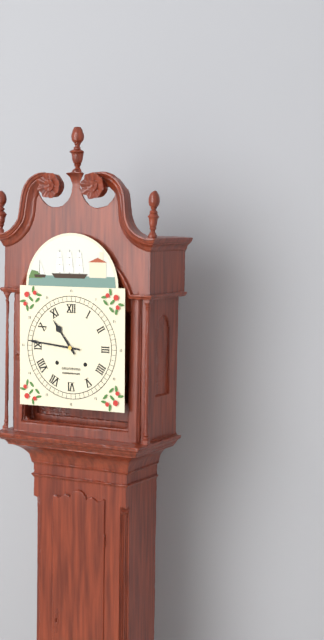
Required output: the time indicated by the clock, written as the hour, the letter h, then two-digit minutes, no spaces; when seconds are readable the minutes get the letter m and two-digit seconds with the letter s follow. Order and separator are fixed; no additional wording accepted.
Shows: 10h46
